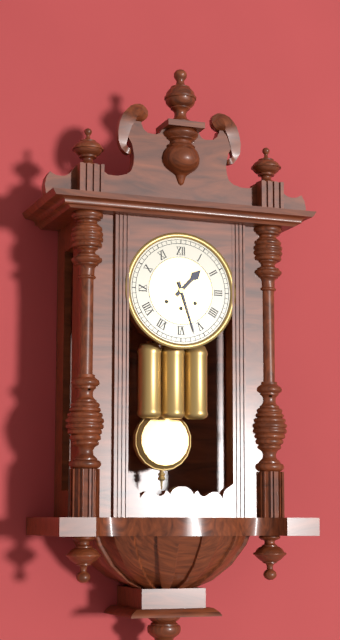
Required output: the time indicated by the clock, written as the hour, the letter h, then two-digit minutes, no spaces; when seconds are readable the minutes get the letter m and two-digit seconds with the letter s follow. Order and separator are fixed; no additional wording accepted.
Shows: 1h27
